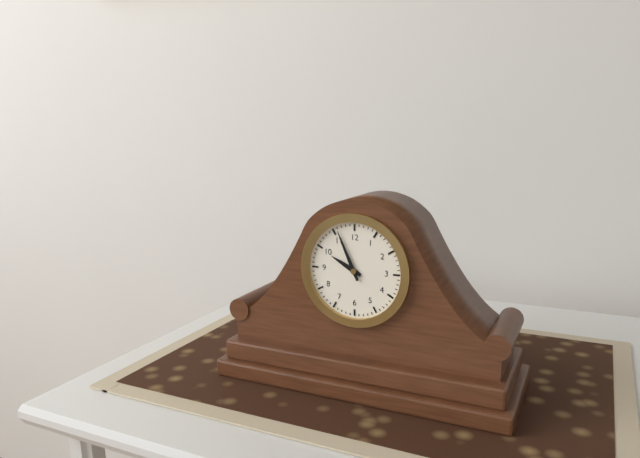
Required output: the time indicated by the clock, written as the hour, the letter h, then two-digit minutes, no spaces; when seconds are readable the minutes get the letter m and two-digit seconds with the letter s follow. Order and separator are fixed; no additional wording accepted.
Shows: 9h56
